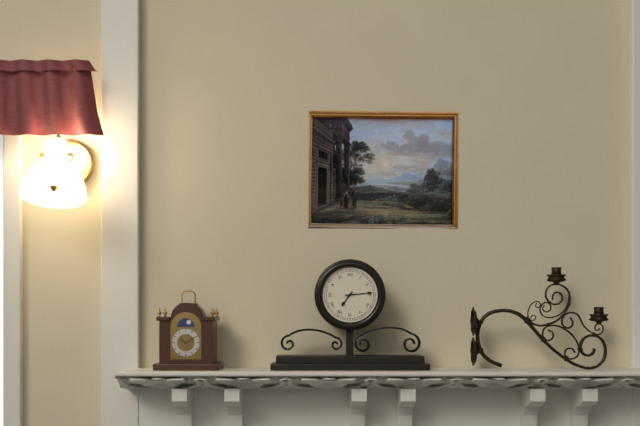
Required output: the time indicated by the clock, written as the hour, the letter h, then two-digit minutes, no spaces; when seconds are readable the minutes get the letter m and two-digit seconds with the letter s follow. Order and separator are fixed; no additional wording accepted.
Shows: 7h14
